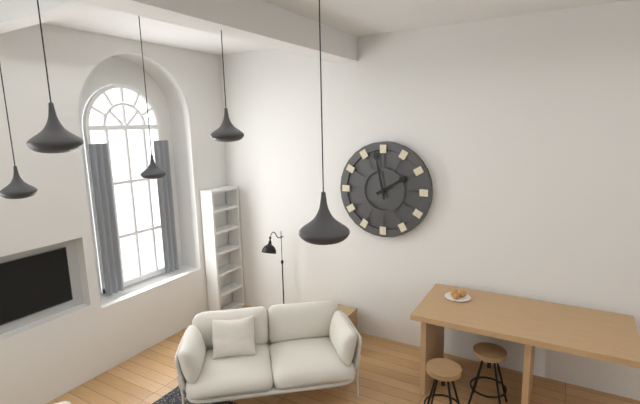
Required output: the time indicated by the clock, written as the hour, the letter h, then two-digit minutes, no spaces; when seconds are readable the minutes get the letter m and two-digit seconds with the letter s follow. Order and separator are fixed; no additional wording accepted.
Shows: 1h58
